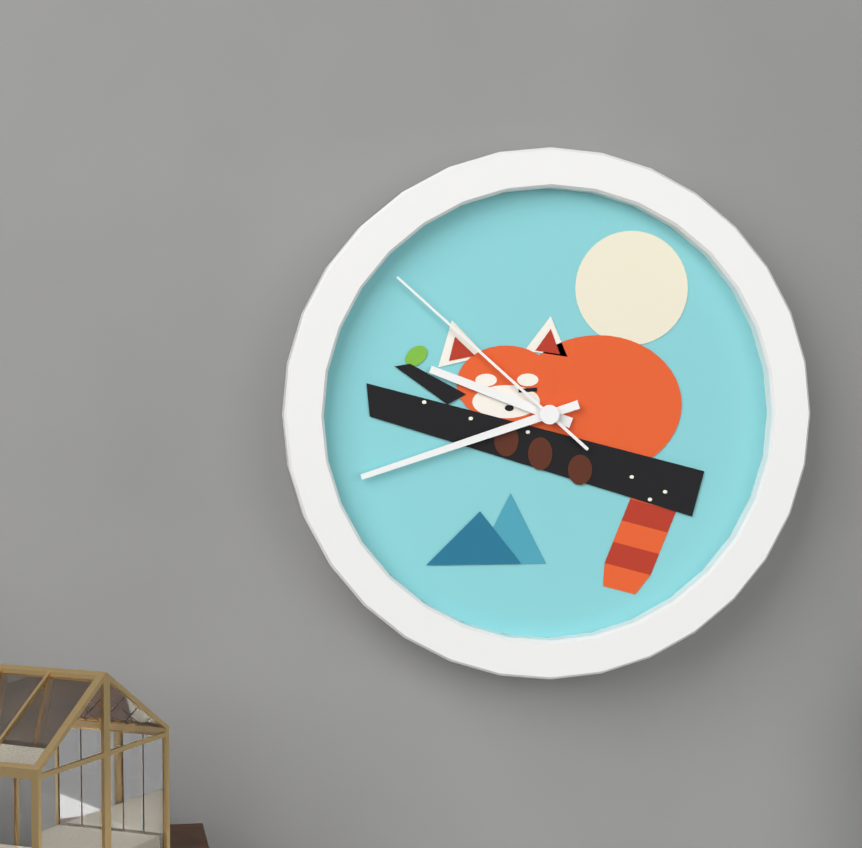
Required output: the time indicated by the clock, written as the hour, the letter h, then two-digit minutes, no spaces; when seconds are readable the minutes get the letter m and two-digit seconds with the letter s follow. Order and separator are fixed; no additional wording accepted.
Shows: 9h42m52s
